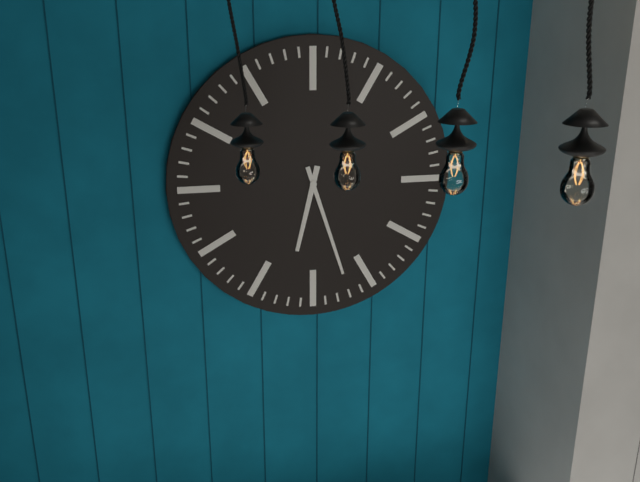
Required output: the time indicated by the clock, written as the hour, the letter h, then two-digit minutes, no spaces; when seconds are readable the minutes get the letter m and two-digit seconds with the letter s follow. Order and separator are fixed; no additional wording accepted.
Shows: 6h27
